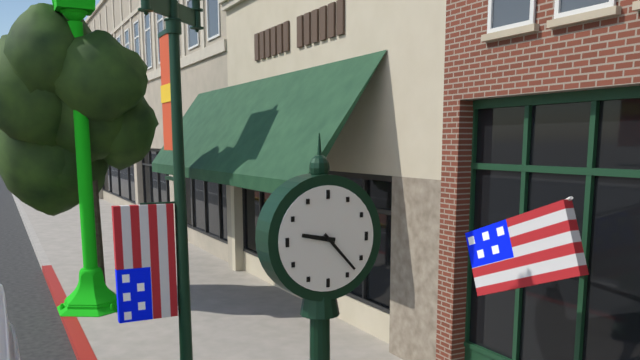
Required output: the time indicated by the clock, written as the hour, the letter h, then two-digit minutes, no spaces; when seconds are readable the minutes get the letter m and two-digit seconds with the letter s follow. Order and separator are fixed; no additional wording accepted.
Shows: 9h23
